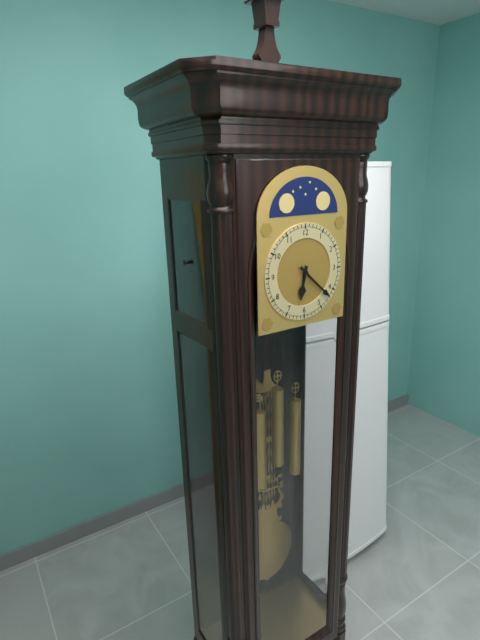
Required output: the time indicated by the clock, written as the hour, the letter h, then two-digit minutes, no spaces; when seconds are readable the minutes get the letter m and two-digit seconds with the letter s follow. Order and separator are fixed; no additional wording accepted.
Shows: 6h22
